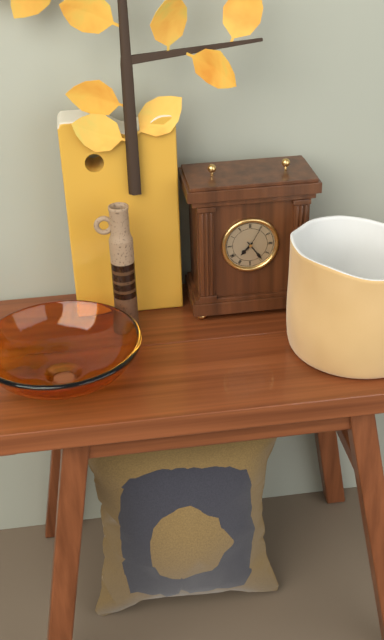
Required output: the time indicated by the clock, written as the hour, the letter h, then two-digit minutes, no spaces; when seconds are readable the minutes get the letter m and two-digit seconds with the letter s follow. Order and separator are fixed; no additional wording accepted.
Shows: 7h24
